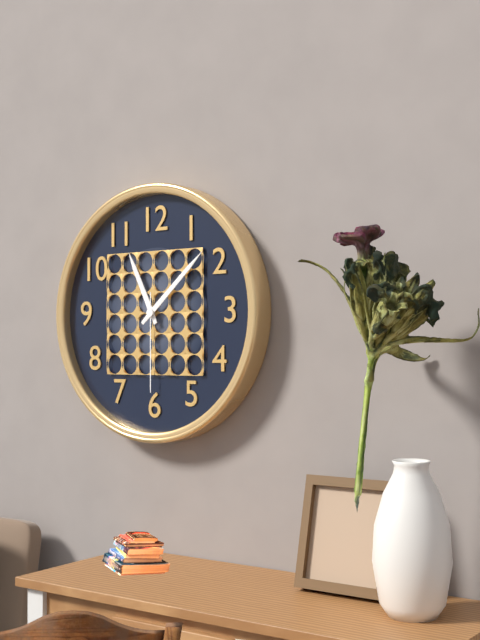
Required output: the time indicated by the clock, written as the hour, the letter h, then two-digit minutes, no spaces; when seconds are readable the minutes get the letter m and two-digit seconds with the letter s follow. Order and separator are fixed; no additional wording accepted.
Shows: 11h08m30s
